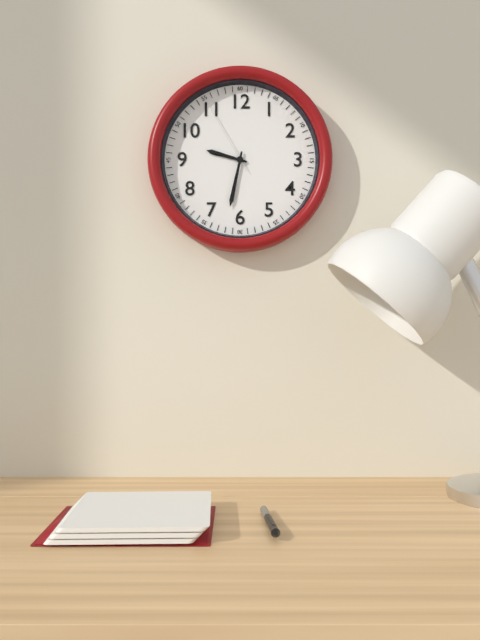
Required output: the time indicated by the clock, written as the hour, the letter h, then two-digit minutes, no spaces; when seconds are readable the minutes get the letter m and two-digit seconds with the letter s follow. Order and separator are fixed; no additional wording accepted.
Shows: 9h32m55s
